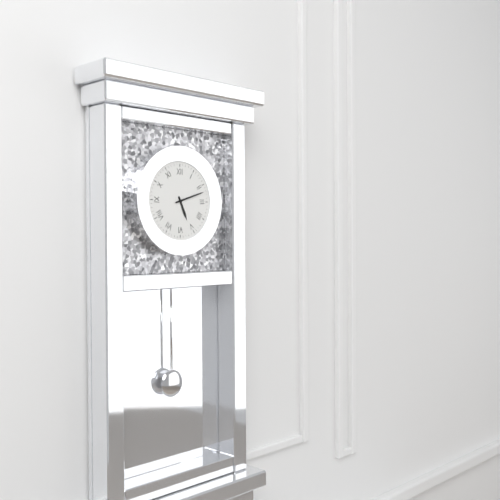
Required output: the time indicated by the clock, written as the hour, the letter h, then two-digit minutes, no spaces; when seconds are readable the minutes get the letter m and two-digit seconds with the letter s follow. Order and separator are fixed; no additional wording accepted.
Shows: 5h12
